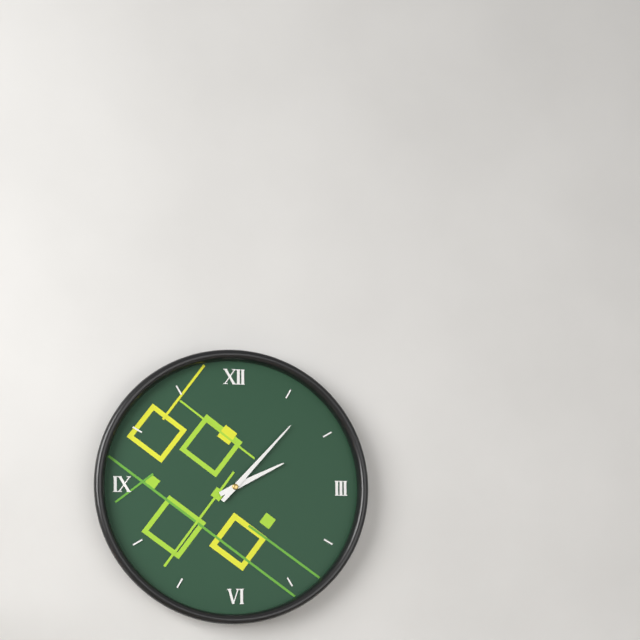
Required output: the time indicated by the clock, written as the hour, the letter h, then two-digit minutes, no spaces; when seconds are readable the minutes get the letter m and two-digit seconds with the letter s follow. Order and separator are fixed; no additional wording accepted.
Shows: 2h07
